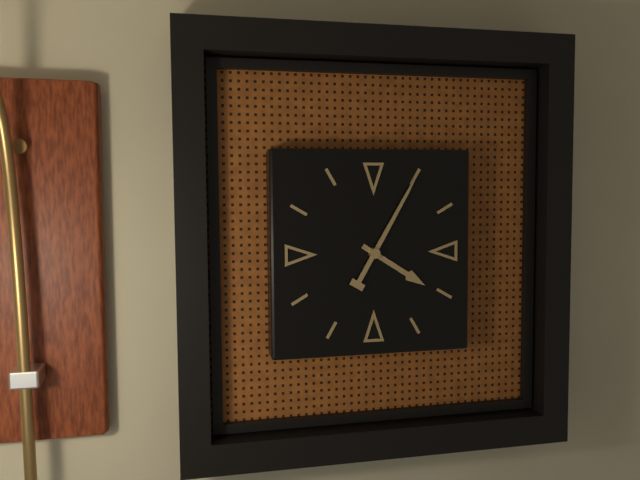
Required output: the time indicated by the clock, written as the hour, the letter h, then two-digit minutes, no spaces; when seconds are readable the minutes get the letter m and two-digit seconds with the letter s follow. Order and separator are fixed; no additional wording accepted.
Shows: 4h05
